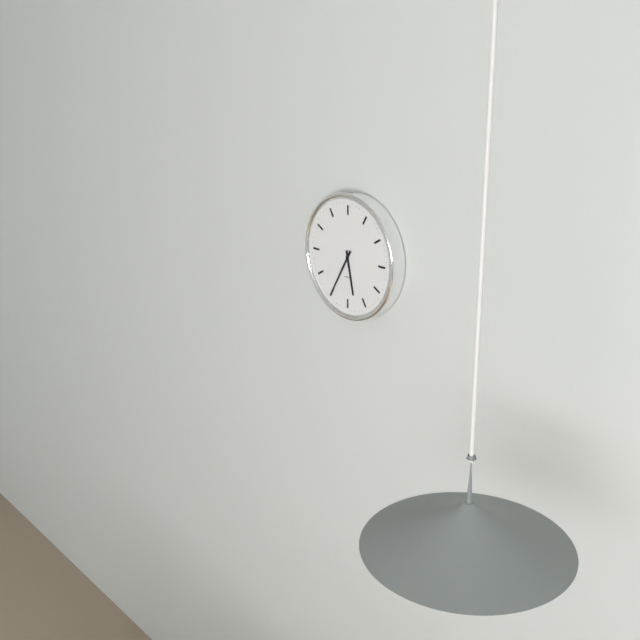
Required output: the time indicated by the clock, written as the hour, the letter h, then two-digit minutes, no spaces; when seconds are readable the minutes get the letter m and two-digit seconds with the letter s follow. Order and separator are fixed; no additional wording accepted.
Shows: 5h35
